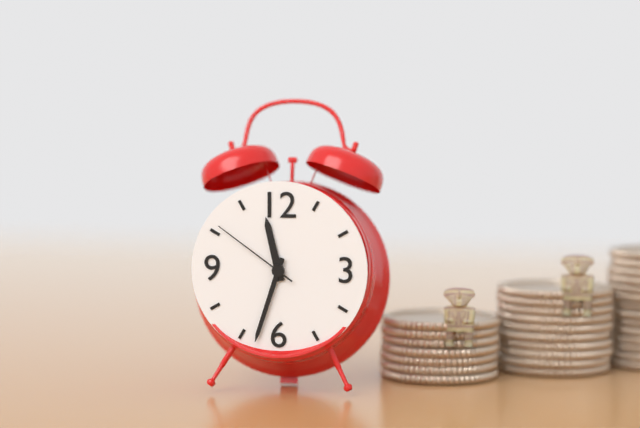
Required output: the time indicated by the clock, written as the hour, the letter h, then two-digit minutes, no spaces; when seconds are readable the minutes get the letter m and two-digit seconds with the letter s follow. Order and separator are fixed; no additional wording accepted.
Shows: 11h33m51s
